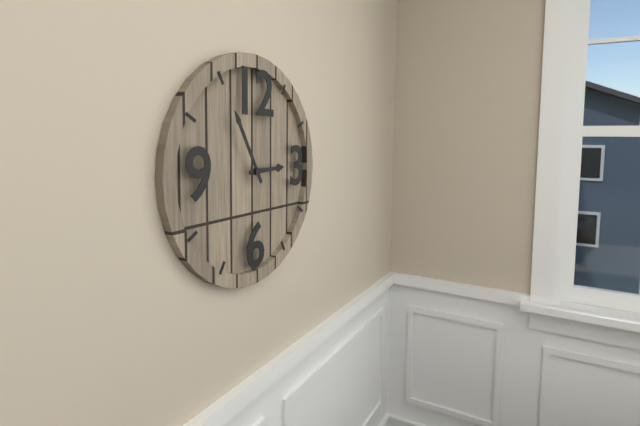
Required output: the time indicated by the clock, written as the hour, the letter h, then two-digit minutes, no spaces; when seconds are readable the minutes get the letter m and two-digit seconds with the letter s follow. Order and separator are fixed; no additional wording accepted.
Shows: 2h55
